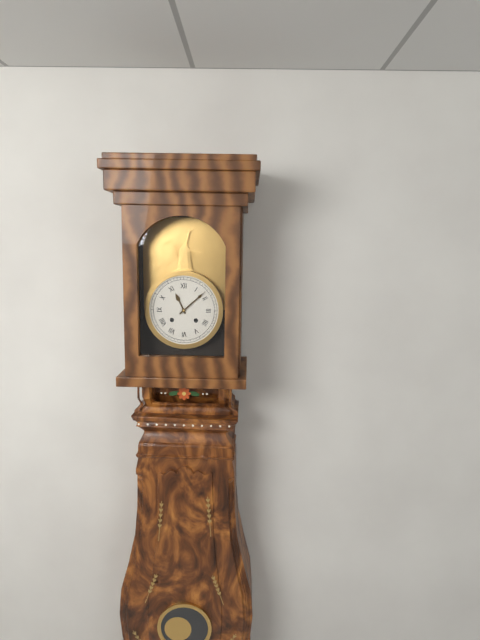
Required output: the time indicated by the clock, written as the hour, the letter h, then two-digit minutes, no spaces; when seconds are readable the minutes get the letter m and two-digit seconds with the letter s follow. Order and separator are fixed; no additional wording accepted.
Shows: 11h08
